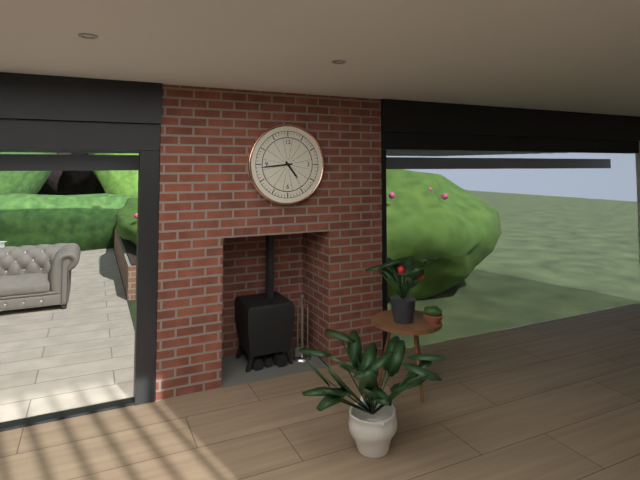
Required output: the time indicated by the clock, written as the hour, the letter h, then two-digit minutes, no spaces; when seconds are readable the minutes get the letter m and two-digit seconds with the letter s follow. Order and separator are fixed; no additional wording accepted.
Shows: 4h44
